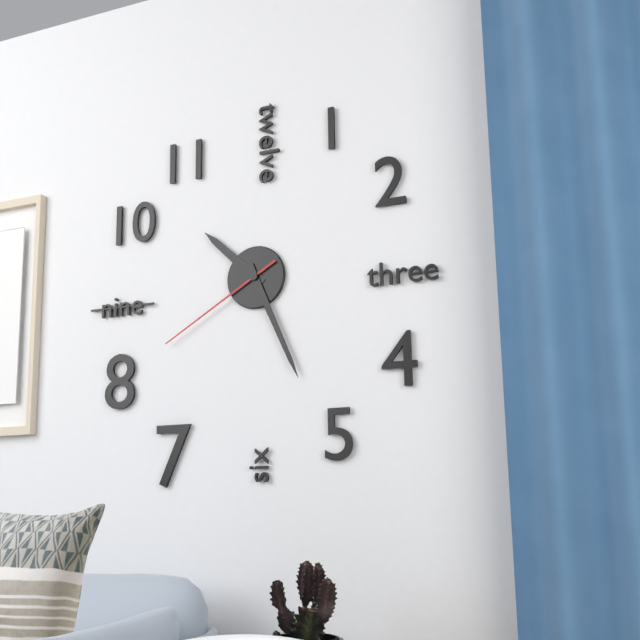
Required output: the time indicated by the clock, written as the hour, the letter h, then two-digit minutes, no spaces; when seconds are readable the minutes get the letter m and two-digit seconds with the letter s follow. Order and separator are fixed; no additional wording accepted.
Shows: 10h26m40s
